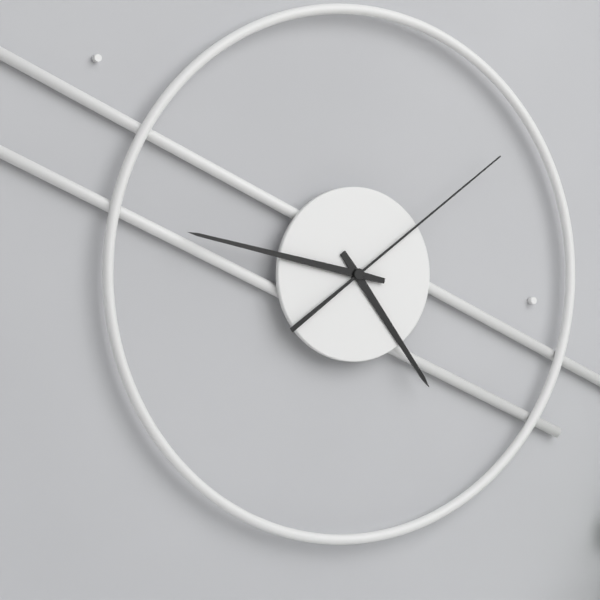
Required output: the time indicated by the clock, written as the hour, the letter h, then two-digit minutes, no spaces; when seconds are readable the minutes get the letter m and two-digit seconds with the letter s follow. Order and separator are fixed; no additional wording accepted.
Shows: 4h47m09s
